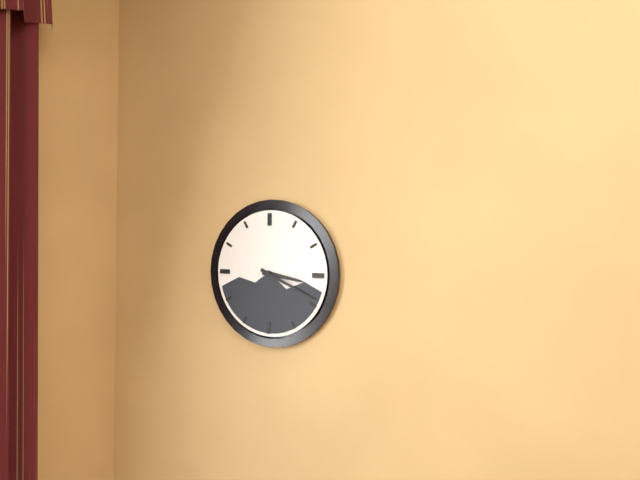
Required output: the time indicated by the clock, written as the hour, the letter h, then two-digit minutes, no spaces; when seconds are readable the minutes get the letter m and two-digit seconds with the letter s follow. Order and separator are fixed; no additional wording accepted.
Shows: 3h19
